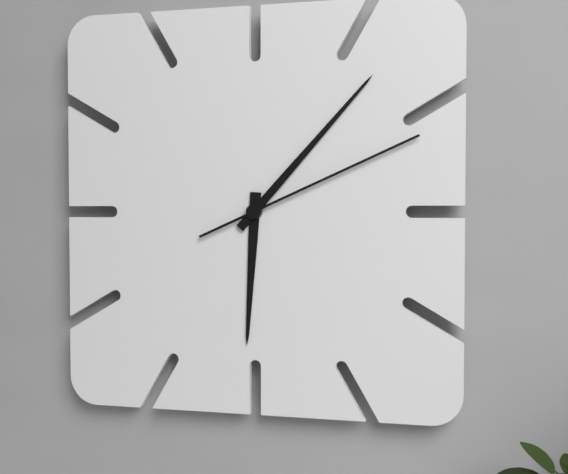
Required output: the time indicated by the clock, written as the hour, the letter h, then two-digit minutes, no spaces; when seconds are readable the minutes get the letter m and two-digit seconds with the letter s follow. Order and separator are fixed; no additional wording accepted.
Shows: 6h07m11s
